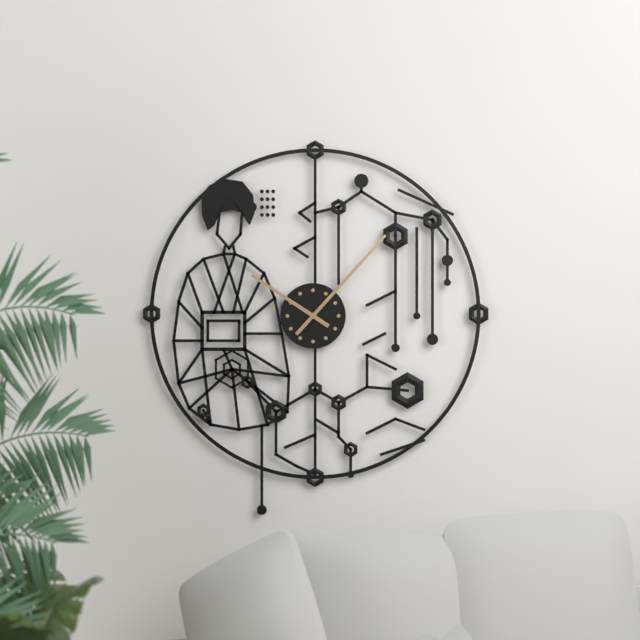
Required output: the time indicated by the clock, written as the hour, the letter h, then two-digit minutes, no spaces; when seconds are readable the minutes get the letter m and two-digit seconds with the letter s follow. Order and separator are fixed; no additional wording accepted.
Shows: 10h07
